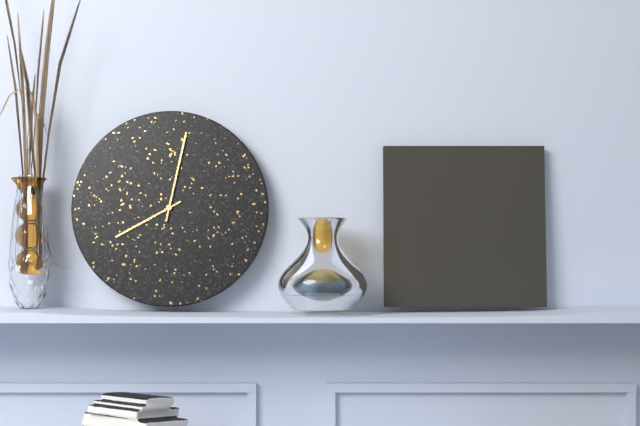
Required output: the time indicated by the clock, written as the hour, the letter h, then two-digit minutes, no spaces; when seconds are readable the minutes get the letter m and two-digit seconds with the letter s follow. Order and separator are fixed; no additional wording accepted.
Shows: 8h02
